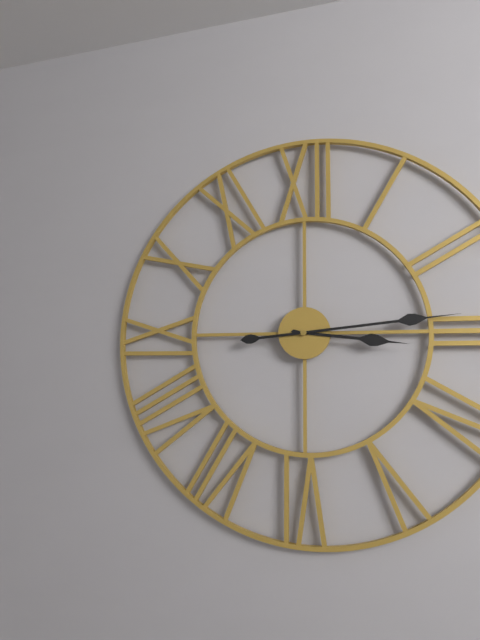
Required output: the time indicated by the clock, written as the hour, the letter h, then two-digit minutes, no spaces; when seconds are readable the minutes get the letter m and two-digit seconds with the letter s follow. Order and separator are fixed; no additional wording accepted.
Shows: 3h14
